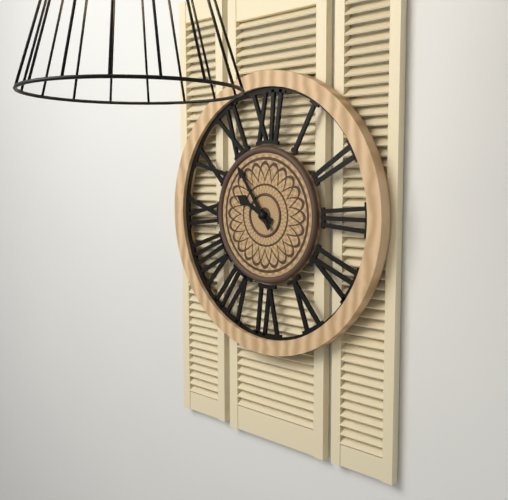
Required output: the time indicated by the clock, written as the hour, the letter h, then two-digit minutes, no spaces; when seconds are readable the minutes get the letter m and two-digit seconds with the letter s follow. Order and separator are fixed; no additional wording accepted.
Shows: 9h54
